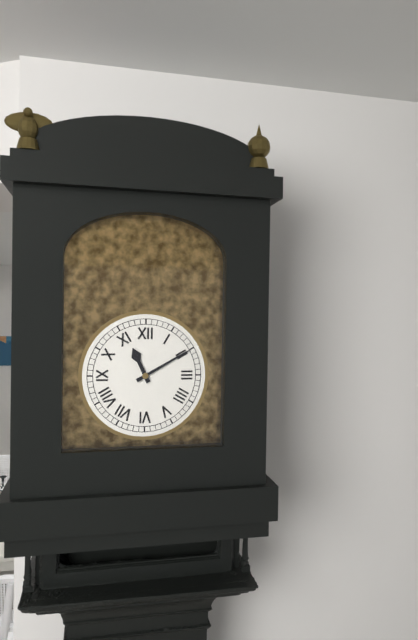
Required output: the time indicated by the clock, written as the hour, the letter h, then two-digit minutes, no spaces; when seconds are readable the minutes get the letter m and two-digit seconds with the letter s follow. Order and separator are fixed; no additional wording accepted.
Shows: 11h10
